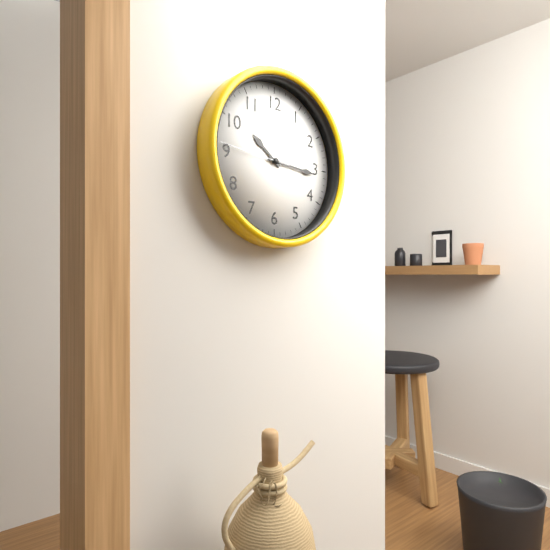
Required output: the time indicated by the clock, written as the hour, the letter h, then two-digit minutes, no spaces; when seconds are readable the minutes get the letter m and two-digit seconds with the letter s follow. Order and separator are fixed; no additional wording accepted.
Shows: 10h16m46s
